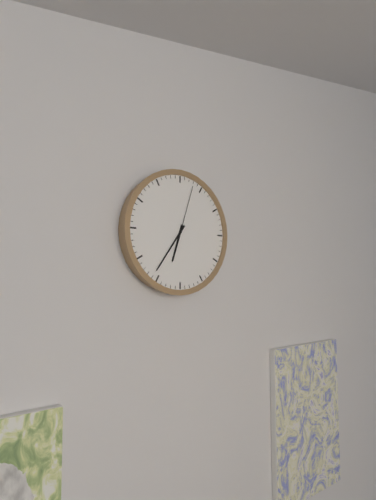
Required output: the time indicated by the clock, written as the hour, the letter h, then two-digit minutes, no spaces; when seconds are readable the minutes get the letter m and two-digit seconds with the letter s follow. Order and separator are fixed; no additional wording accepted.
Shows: 6h36m03s
